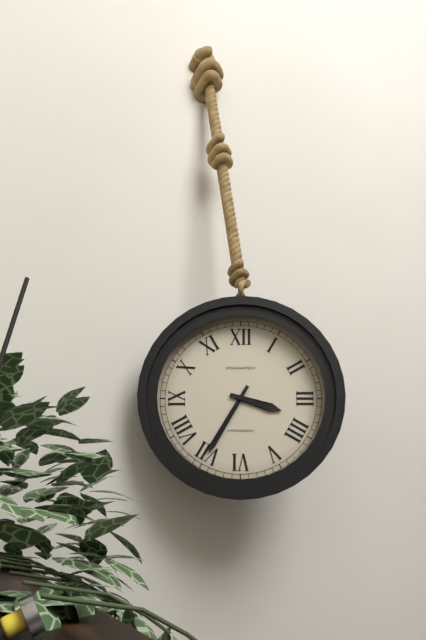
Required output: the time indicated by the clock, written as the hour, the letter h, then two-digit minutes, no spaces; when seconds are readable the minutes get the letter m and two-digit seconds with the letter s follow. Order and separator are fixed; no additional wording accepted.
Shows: 3h35
